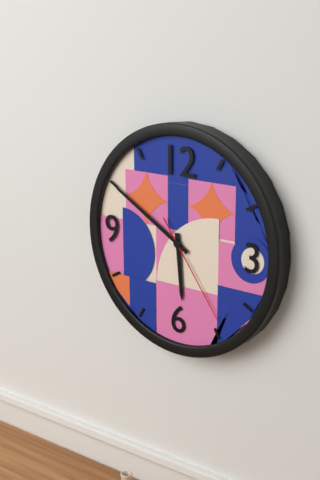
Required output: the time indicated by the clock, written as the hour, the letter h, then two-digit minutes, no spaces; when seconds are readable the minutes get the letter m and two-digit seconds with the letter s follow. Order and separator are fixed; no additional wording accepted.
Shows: 5h50m24s
